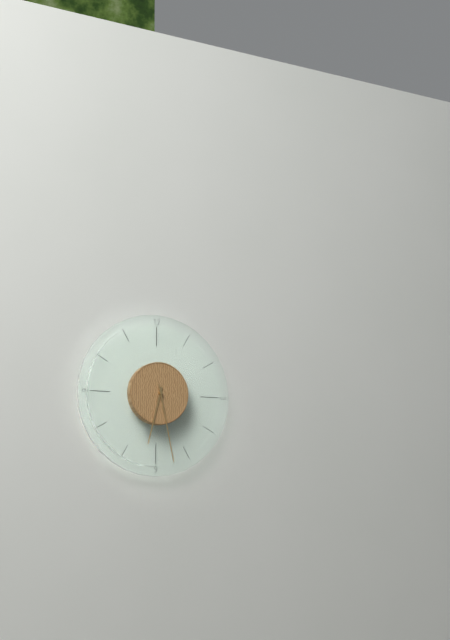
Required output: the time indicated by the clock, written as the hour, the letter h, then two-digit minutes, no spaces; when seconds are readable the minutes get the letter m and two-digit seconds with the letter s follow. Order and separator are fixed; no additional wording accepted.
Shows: 6h28
